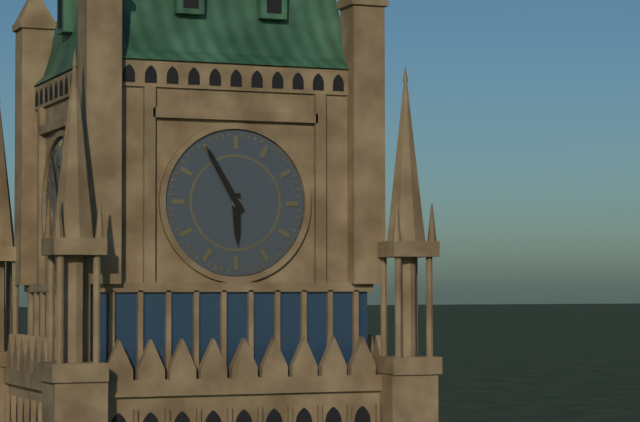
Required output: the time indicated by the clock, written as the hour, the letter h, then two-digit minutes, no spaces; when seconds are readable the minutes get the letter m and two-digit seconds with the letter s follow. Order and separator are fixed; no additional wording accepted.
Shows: 5h55
